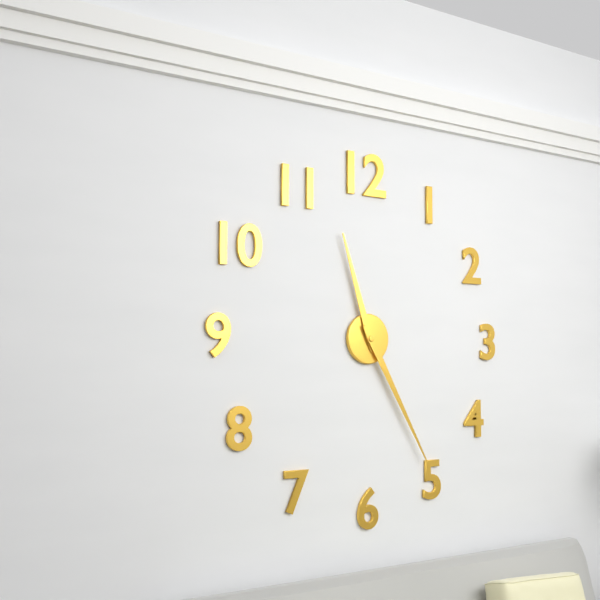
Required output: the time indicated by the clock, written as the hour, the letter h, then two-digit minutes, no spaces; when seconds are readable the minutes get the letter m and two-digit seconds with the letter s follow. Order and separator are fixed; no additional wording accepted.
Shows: 11h25
